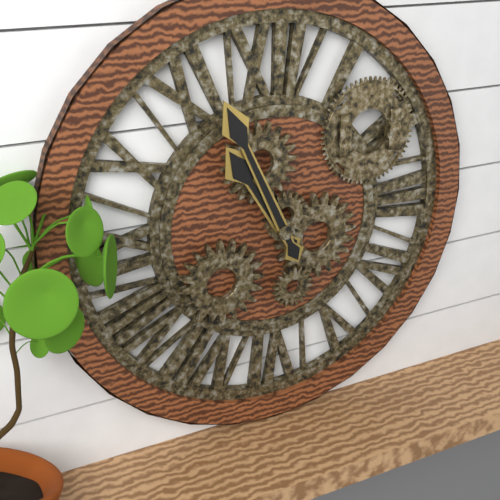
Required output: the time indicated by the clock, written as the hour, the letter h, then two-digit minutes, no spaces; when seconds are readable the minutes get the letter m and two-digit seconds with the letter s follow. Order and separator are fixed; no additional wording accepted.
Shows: 10h56
